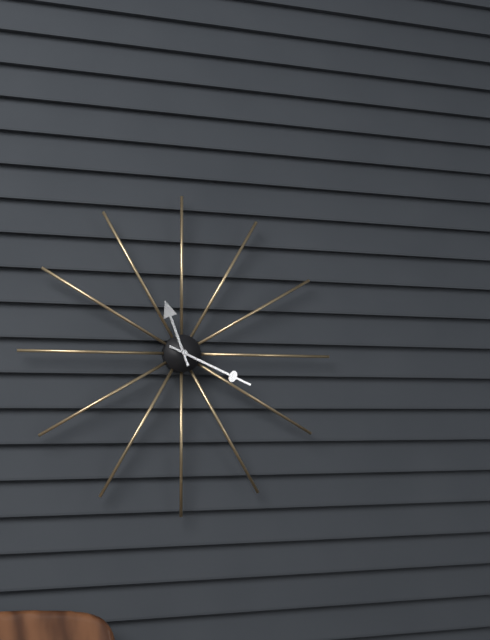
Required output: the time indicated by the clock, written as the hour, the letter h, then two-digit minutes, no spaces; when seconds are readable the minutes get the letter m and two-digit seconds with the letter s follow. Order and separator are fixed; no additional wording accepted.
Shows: 11h19
